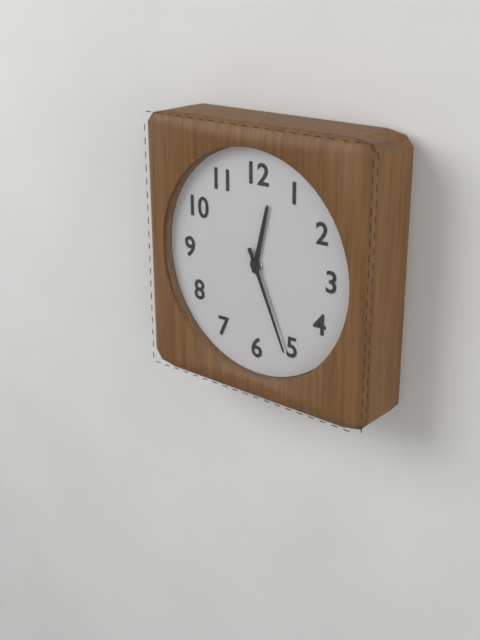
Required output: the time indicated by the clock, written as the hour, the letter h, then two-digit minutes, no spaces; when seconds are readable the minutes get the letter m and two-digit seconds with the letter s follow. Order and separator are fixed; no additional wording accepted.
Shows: 12h26
